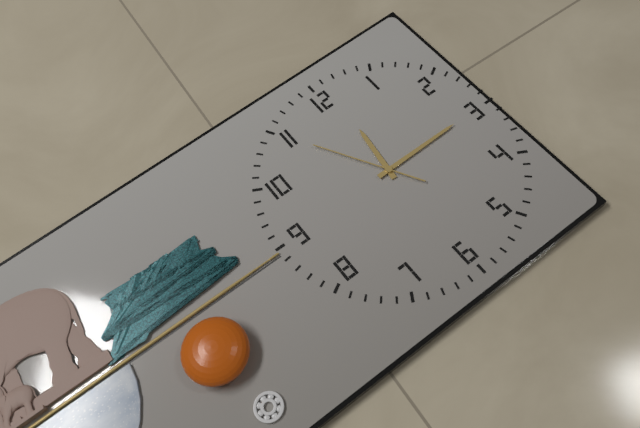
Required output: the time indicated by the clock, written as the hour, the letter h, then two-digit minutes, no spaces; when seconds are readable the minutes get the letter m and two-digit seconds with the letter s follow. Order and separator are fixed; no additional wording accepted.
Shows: 12h15m55s
